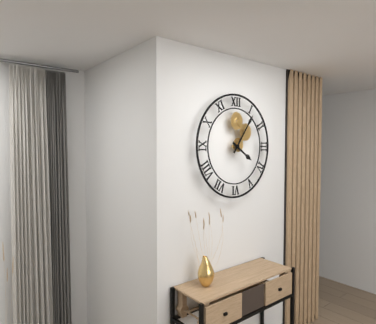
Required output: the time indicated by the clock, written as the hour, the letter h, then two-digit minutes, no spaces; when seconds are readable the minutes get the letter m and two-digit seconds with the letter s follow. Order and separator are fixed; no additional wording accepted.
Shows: 4h06
